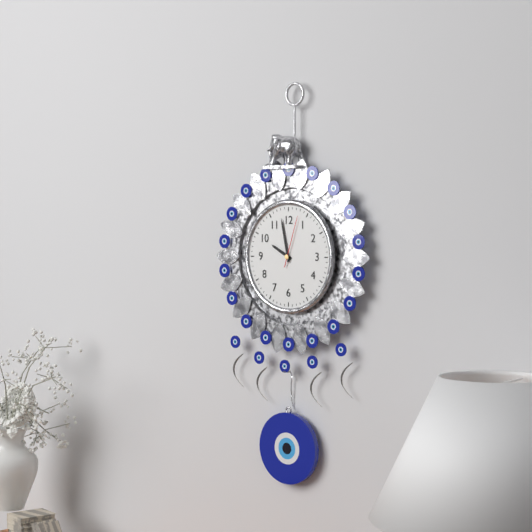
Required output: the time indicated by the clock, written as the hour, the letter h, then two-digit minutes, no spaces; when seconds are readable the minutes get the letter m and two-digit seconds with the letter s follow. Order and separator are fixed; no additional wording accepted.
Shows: 9h58m03s
